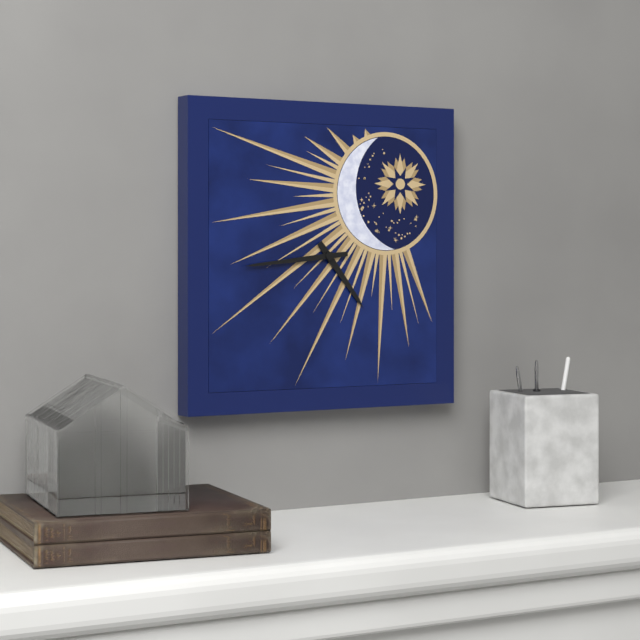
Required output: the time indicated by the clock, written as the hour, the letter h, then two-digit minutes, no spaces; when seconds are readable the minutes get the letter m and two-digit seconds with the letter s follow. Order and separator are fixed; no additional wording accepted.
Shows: 4h44
